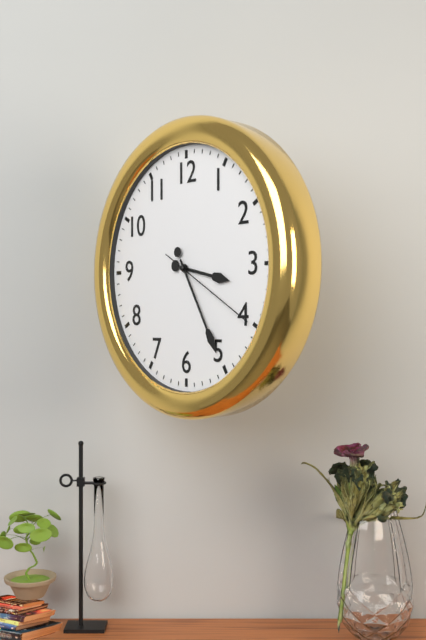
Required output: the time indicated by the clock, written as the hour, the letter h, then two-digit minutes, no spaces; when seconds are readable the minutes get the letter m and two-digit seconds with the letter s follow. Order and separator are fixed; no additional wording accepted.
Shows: 3h25m20s
